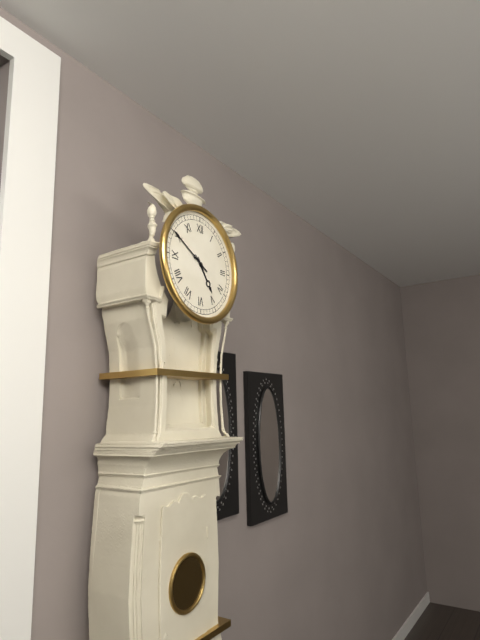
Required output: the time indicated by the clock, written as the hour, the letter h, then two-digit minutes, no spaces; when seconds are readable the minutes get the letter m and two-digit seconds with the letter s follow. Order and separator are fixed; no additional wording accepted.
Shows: 4h50
